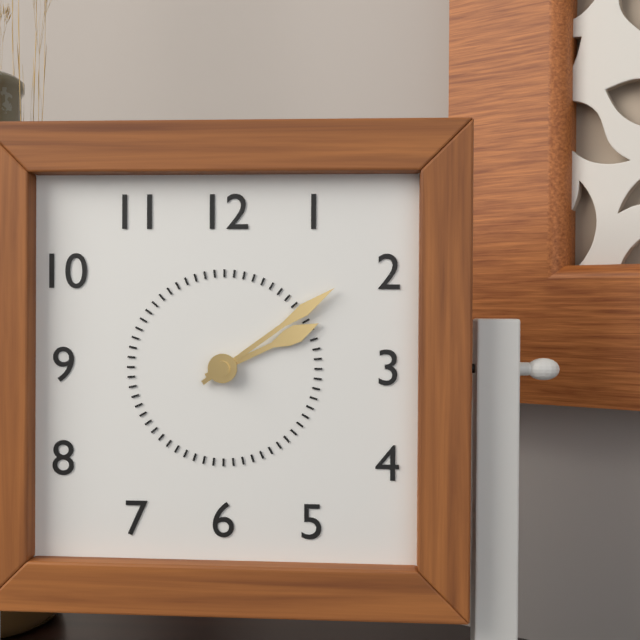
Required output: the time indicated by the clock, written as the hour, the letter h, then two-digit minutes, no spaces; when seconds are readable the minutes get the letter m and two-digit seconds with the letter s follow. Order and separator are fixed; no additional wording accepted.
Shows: 2h09
